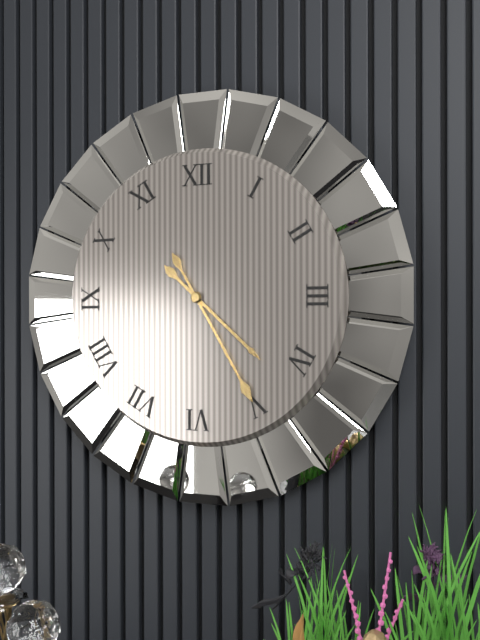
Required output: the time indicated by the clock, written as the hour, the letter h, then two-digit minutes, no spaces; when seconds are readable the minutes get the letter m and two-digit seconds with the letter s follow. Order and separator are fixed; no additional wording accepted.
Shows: 4h25
